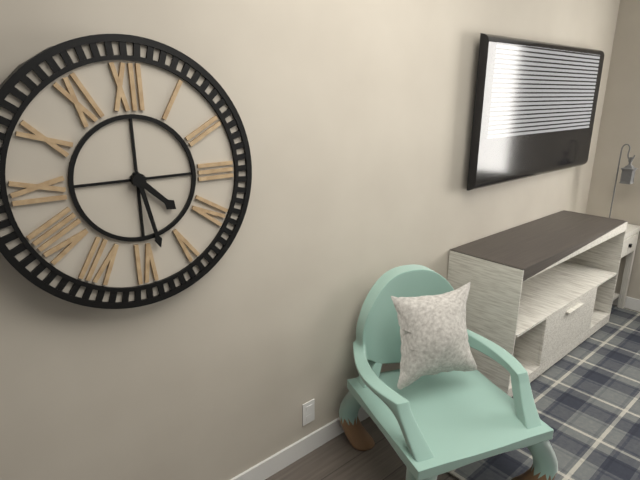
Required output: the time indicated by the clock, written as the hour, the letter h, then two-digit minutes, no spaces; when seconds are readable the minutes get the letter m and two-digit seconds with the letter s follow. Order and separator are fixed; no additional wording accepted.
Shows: 4h28
